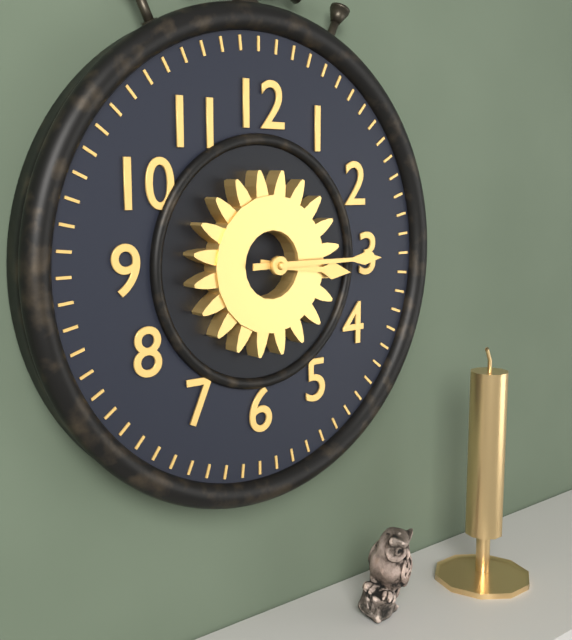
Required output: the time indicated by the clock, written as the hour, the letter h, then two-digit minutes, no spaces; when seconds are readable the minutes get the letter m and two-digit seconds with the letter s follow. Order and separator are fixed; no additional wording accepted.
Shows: 3h15
